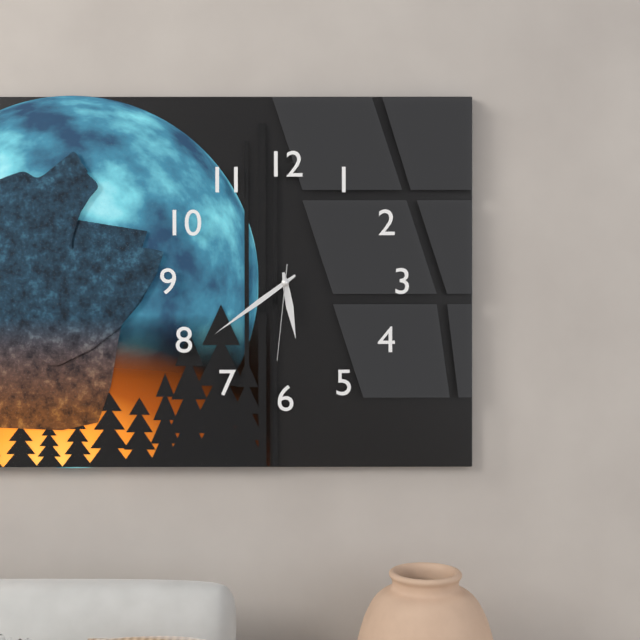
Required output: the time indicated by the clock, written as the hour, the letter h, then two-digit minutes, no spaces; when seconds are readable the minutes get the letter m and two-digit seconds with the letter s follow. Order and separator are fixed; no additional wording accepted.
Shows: 5h39m31s
